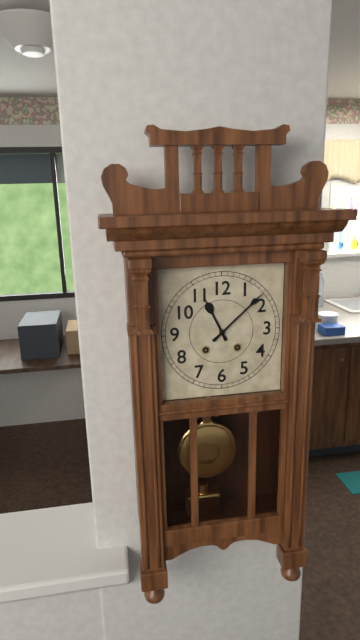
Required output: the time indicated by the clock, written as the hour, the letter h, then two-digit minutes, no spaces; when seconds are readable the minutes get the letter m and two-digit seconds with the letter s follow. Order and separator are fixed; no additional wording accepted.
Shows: 11h08
